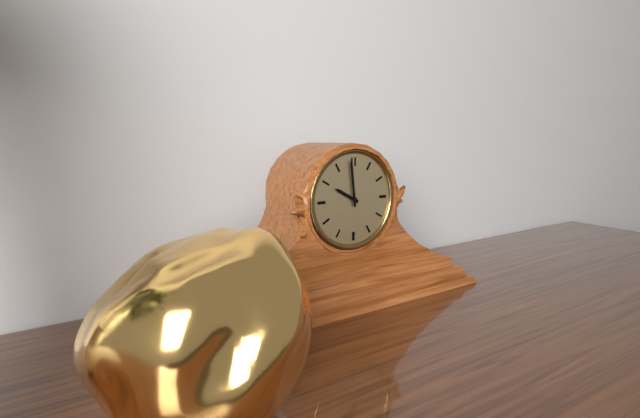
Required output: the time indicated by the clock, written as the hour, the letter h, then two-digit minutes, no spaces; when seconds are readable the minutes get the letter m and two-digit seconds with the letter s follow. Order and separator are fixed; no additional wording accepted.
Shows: 9h59
